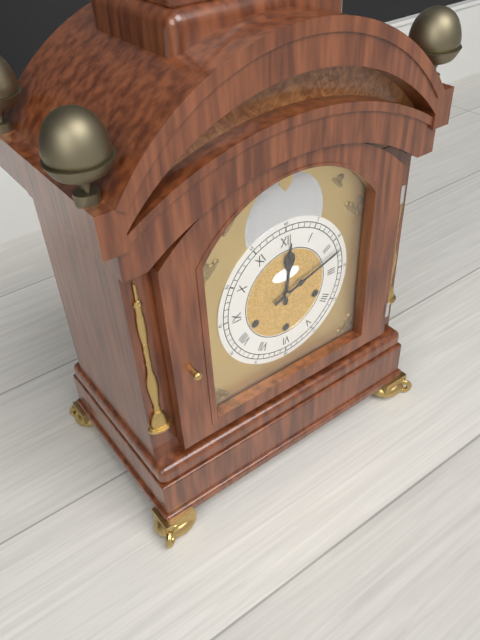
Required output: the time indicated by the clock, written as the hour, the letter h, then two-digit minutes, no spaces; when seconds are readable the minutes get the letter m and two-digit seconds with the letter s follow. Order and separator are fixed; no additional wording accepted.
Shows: 12h12
